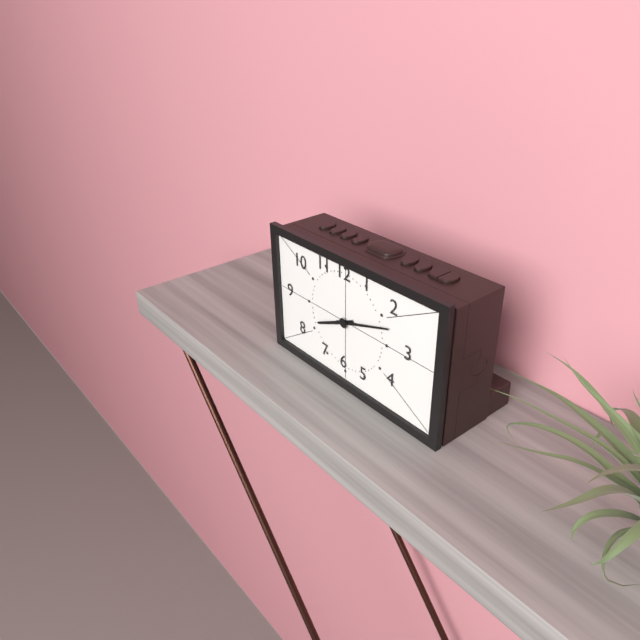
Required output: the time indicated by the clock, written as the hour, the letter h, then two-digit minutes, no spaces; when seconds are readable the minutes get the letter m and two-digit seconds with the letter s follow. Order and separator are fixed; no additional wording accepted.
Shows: 8h12
